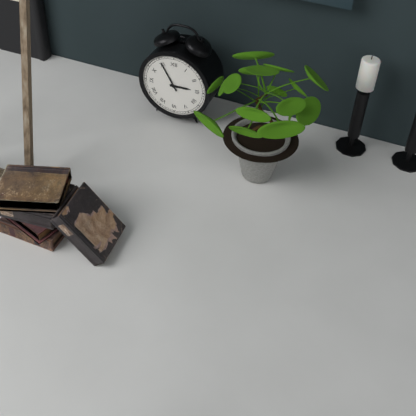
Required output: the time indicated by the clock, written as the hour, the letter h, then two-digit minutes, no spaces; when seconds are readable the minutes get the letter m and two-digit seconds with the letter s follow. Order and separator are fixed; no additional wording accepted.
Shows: 2h55
